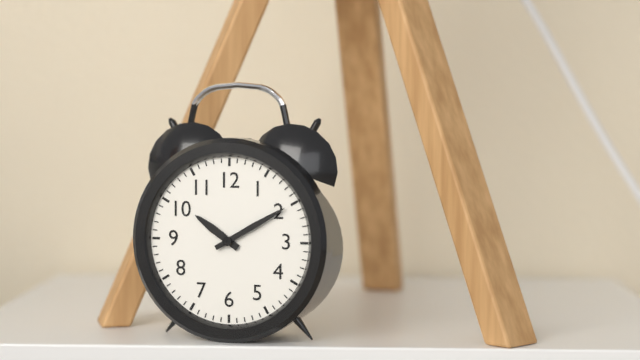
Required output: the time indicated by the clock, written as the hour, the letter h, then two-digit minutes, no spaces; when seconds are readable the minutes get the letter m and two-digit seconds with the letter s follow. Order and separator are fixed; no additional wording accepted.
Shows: 10h10
